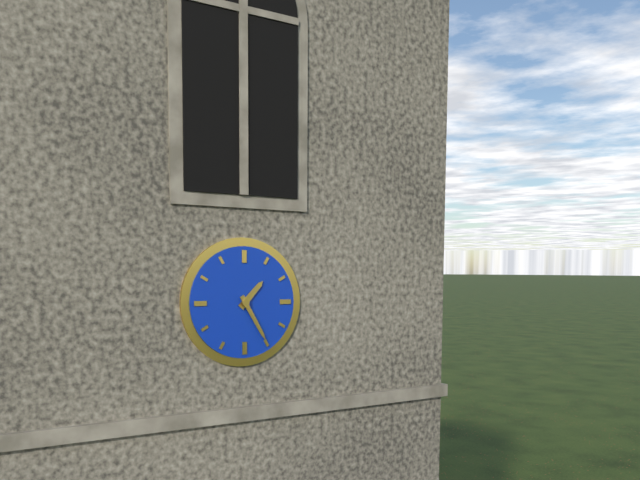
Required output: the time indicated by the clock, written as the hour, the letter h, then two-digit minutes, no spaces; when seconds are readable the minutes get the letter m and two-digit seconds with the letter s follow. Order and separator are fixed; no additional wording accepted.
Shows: 1h25
